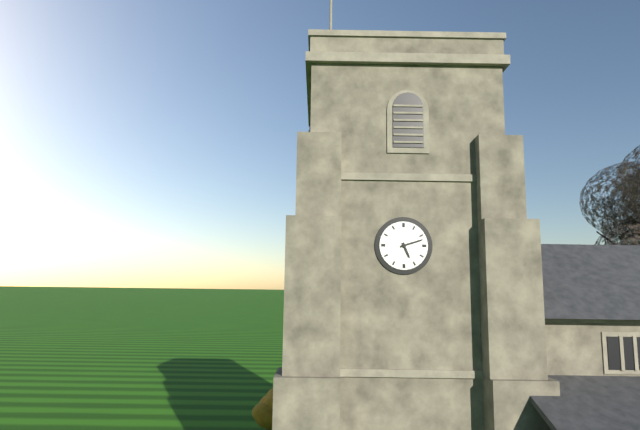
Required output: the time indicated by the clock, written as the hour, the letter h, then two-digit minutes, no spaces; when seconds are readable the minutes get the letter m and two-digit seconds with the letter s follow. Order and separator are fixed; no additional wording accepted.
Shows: 5h12
